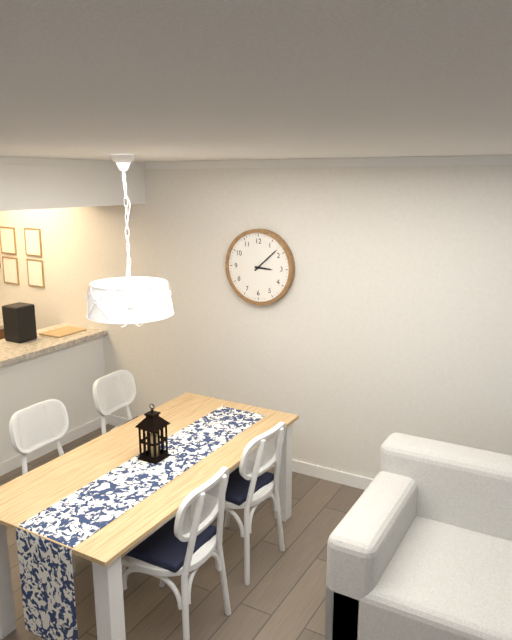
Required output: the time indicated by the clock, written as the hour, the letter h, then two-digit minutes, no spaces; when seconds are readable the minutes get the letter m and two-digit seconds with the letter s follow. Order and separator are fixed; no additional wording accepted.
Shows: 3h08
